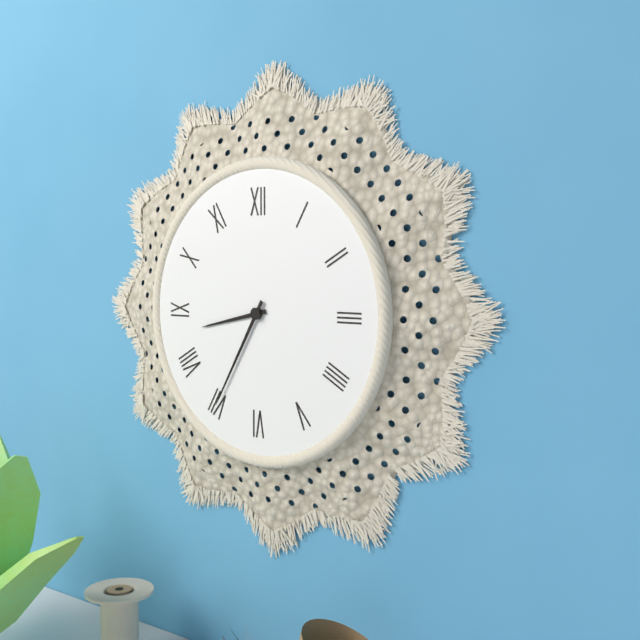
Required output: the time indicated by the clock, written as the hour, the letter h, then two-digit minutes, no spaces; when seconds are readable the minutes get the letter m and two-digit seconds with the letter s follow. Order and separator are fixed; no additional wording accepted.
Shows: 8h35
